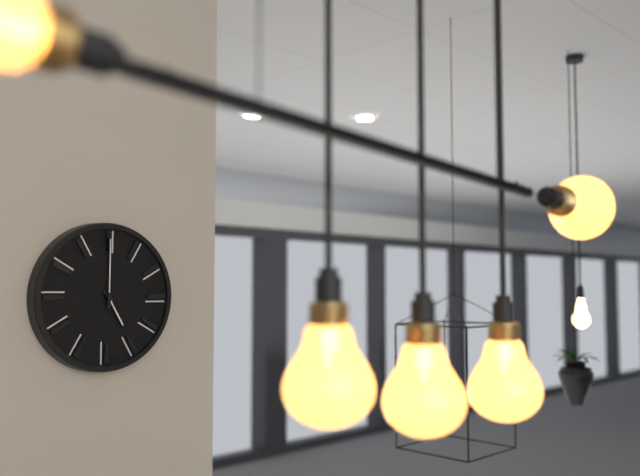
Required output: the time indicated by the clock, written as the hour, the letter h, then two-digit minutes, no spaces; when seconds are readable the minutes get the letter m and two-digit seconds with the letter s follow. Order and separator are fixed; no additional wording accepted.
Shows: 5h00
